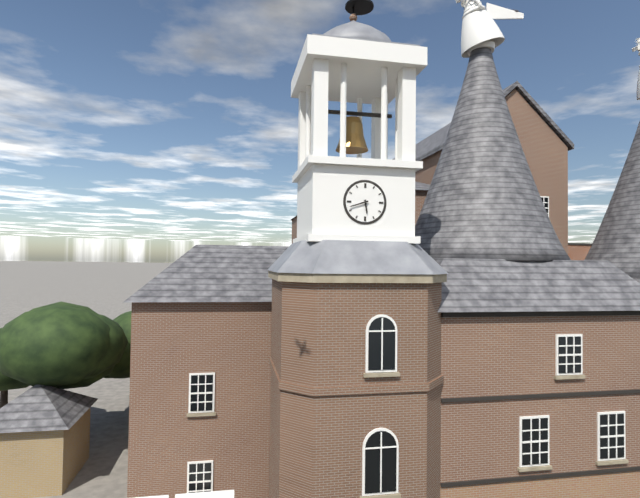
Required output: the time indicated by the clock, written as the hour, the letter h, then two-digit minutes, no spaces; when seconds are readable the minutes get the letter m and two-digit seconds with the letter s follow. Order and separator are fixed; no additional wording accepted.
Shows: 5h42
